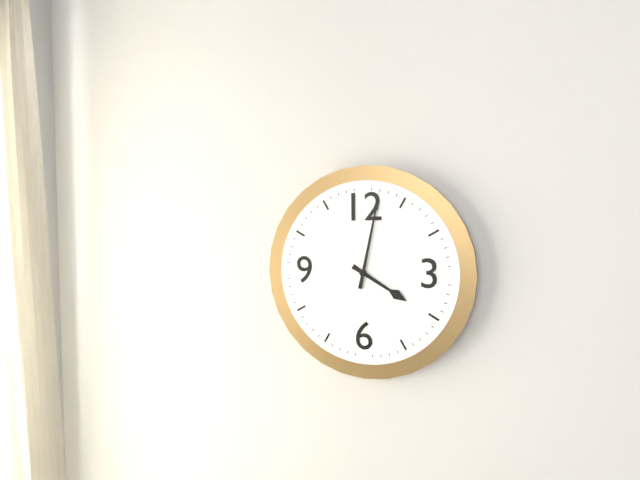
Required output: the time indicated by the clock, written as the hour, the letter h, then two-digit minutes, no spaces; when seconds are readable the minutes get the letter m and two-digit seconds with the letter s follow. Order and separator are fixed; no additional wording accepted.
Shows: 4h02
